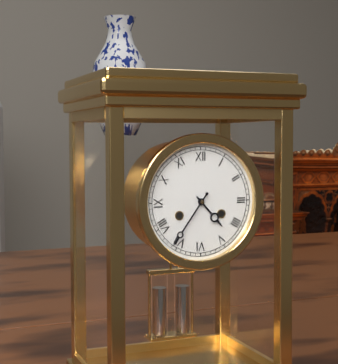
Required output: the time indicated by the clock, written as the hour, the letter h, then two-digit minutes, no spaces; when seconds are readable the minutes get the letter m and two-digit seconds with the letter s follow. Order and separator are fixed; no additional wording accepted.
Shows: 4h36
